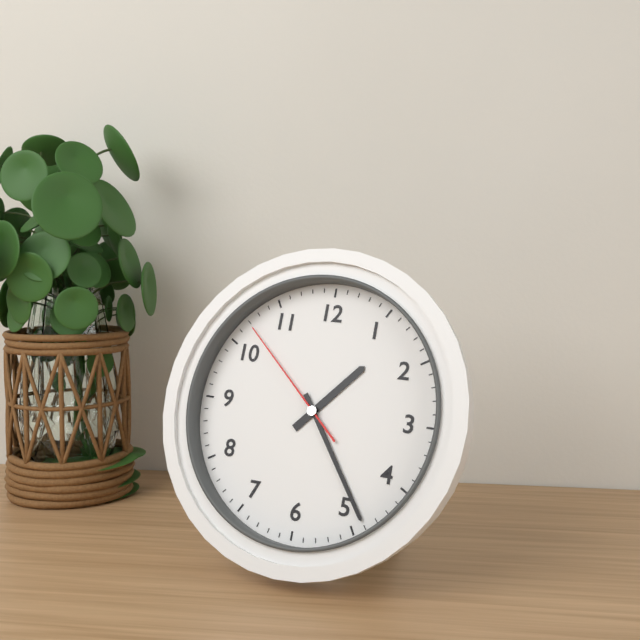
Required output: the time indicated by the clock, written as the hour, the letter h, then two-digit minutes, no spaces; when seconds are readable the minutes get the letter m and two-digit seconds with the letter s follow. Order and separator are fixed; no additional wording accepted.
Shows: 1h24m52s
